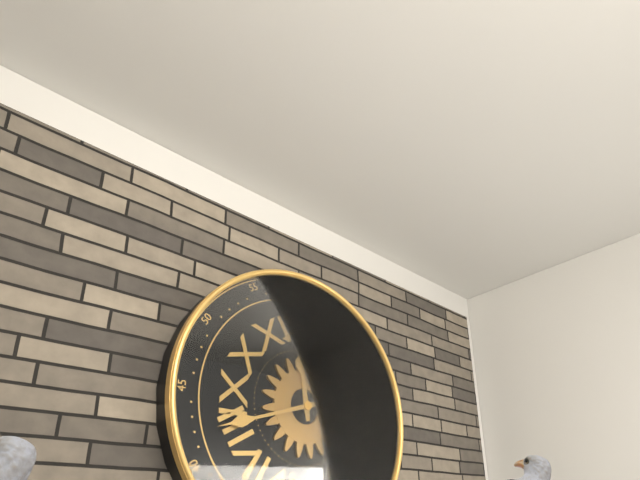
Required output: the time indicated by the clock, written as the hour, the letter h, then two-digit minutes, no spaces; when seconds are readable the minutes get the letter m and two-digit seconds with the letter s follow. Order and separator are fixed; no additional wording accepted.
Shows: 11h42
